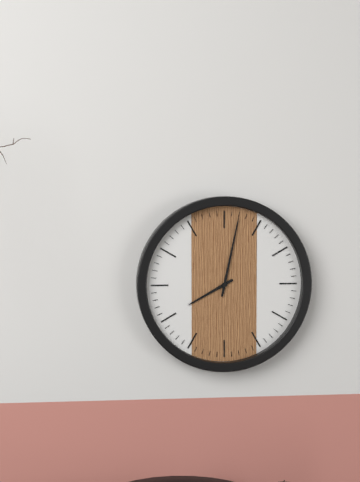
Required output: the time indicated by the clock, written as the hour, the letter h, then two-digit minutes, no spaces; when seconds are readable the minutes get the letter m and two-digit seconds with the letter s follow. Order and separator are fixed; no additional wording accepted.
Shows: 8h02
